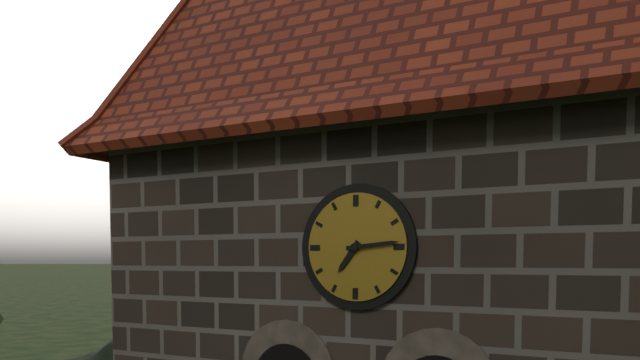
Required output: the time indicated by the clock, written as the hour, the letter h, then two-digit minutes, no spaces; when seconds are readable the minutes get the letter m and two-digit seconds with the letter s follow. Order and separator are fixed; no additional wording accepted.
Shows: 7h14
